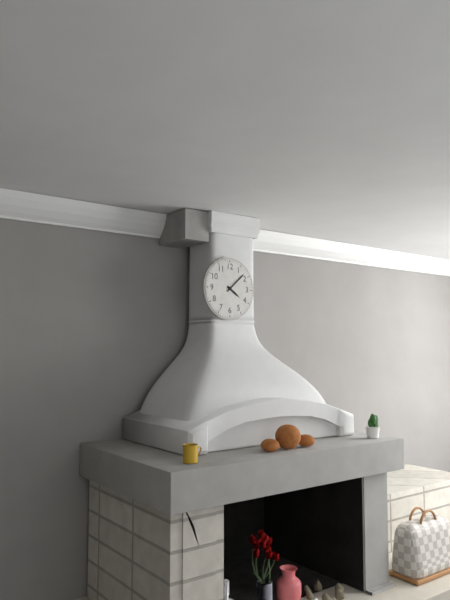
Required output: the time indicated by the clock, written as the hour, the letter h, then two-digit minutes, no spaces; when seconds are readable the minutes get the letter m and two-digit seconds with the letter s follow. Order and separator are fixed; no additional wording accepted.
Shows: 4h08
